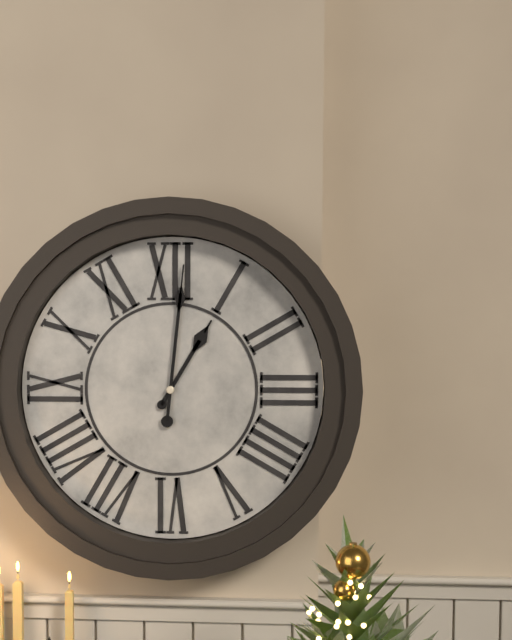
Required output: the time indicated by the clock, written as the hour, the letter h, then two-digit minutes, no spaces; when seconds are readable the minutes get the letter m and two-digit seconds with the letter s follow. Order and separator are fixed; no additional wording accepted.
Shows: 1h01
